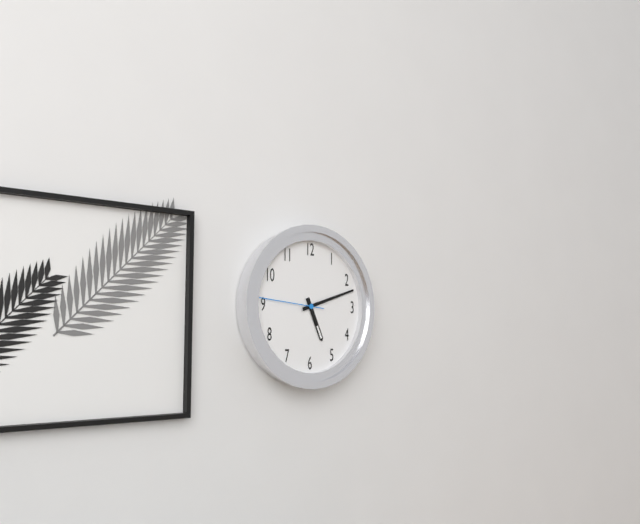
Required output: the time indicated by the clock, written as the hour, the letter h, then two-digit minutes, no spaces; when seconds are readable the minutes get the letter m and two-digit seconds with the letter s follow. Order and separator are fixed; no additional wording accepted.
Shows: 5h12m46s
